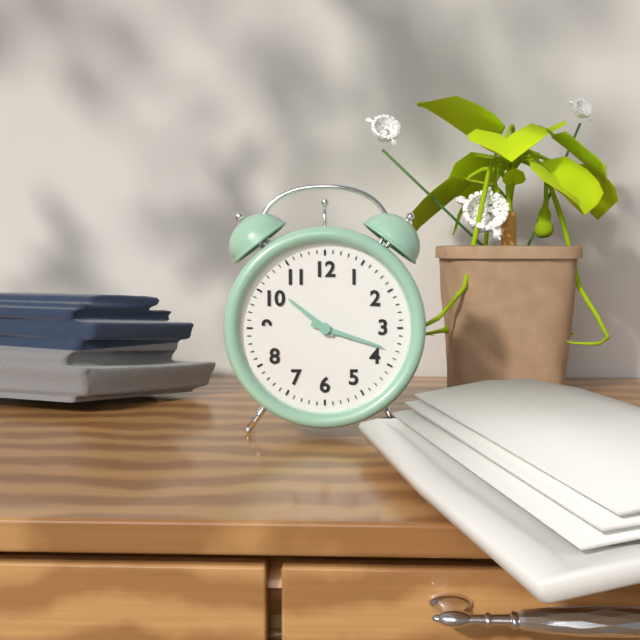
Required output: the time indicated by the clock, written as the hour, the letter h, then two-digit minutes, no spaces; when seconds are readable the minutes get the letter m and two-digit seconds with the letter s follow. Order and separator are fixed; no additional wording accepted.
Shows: 10h18
